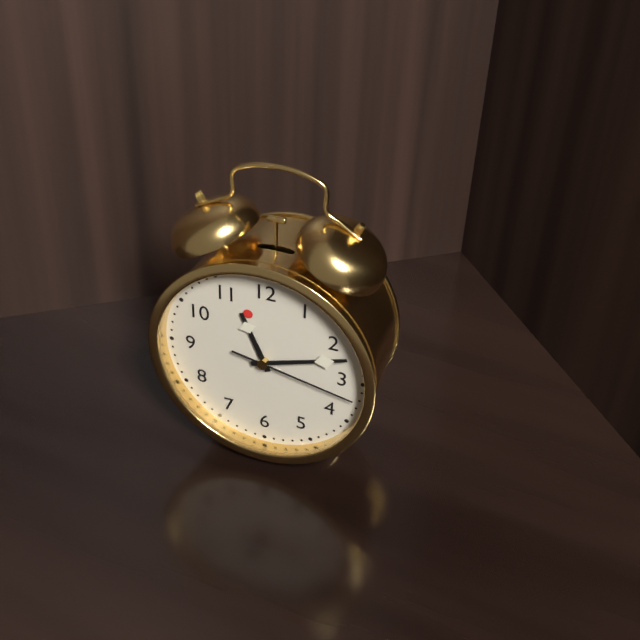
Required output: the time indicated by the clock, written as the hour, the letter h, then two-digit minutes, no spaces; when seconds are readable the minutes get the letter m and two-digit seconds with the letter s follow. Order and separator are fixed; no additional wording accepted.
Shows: 11h12m17s
